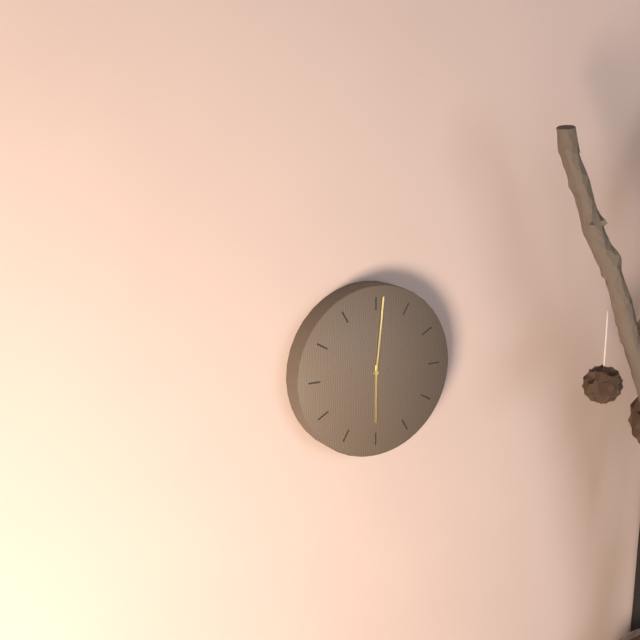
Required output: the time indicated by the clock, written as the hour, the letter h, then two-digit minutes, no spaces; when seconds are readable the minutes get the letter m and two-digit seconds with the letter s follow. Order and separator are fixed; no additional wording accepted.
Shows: 6h01
